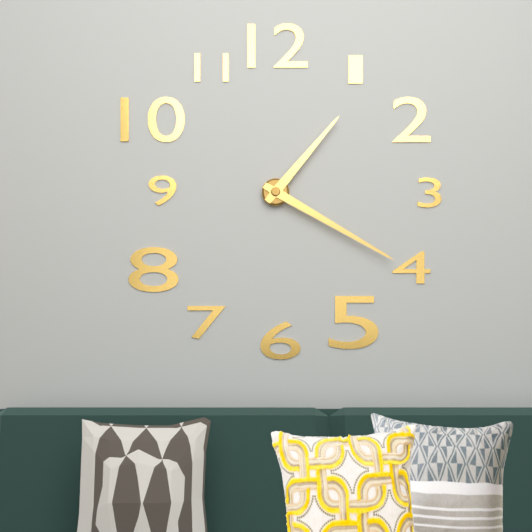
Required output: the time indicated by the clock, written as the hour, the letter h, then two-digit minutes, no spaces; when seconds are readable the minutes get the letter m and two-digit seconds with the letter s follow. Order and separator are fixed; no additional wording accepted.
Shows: 1h20
